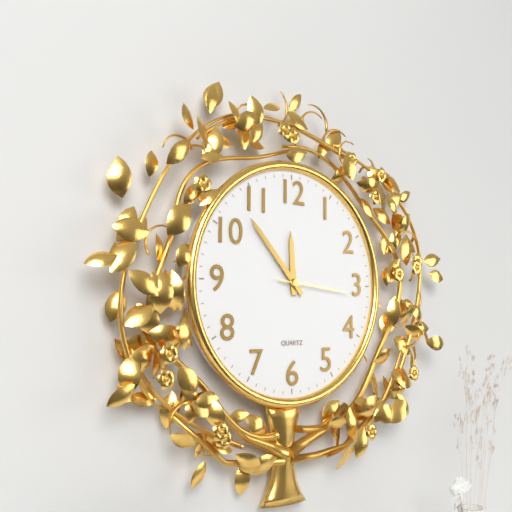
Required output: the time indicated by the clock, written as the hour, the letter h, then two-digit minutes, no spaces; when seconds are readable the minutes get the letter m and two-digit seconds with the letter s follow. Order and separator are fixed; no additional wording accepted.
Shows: 11h53m16s
